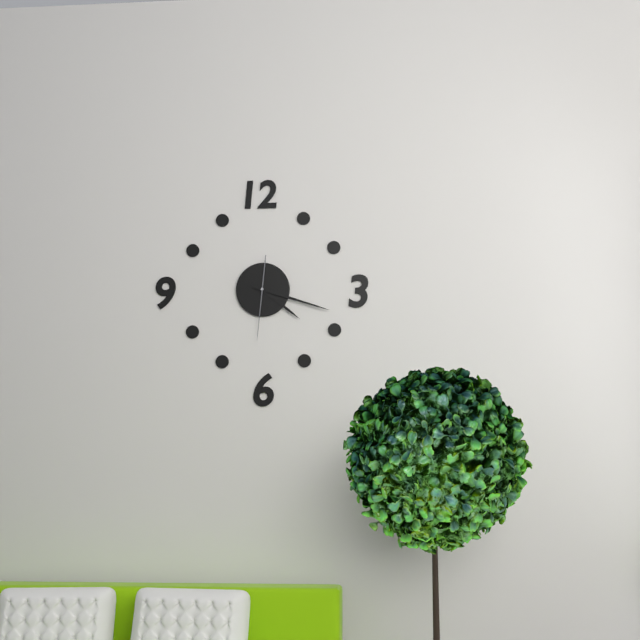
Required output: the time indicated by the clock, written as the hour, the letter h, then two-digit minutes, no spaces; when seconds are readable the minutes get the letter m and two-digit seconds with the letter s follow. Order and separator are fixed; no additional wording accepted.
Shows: 4h18m31s
